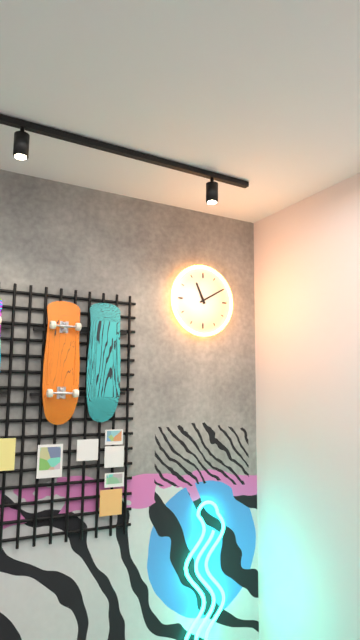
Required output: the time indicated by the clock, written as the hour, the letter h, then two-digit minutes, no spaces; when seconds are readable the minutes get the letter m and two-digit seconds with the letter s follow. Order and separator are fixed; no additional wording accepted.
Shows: 11h10
